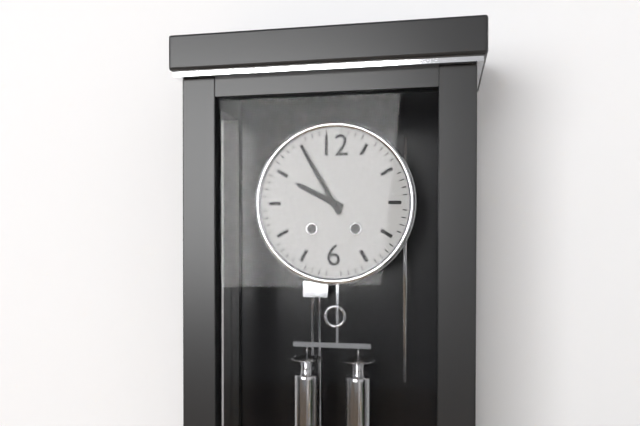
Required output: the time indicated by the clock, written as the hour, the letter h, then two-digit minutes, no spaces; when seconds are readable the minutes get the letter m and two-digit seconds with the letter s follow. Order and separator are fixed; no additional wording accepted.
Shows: 9h55
